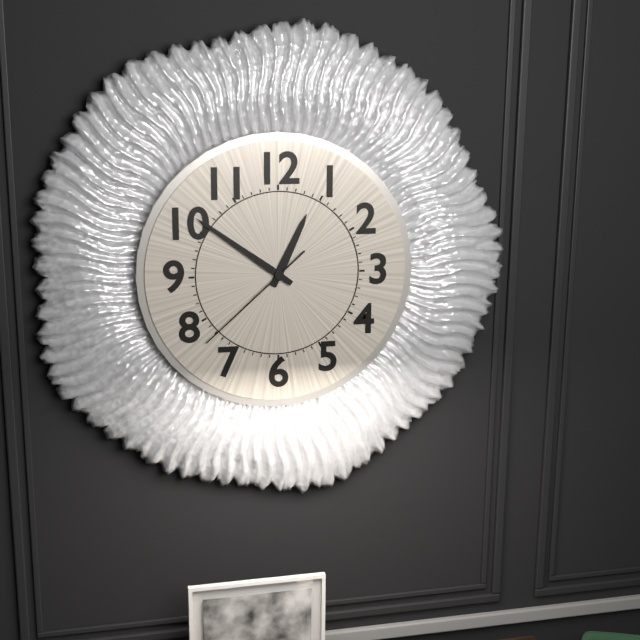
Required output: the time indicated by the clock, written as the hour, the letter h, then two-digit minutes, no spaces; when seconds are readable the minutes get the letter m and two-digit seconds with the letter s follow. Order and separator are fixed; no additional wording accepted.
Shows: 12h51m38s
